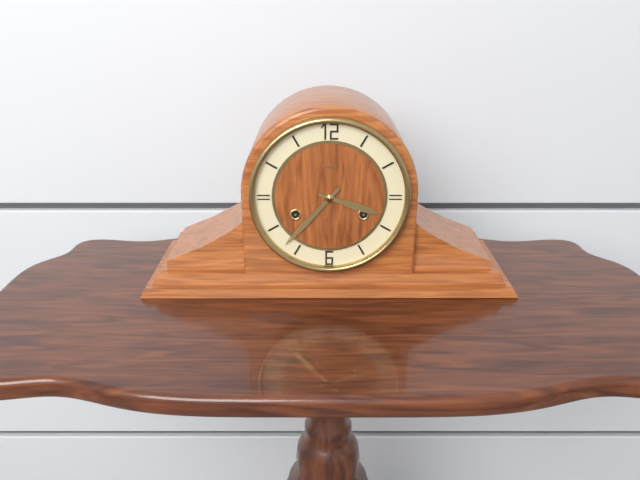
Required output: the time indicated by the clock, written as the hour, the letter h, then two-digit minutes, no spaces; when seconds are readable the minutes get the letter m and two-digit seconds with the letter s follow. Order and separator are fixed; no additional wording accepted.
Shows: 3h37
